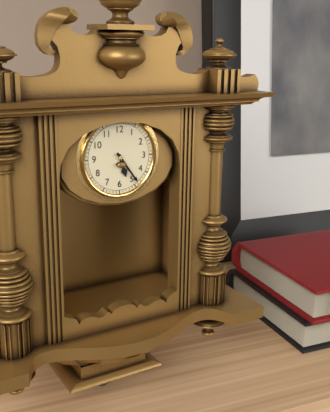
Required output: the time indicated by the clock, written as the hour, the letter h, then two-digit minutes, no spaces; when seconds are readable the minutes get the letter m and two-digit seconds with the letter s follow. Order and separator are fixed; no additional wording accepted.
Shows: 5h24
